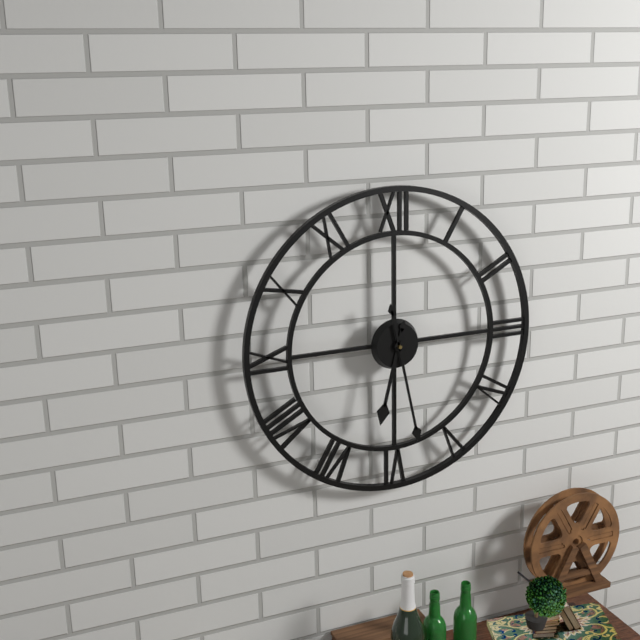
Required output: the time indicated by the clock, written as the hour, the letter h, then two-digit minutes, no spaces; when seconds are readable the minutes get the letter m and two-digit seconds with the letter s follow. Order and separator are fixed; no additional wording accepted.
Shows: 6h28
